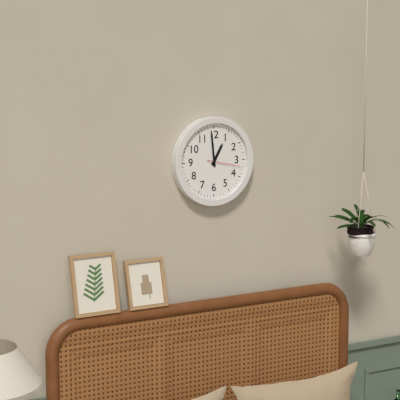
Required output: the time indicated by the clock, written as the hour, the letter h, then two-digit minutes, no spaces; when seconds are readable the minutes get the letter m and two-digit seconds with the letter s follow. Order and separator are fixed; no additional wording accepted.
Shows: 12h59
